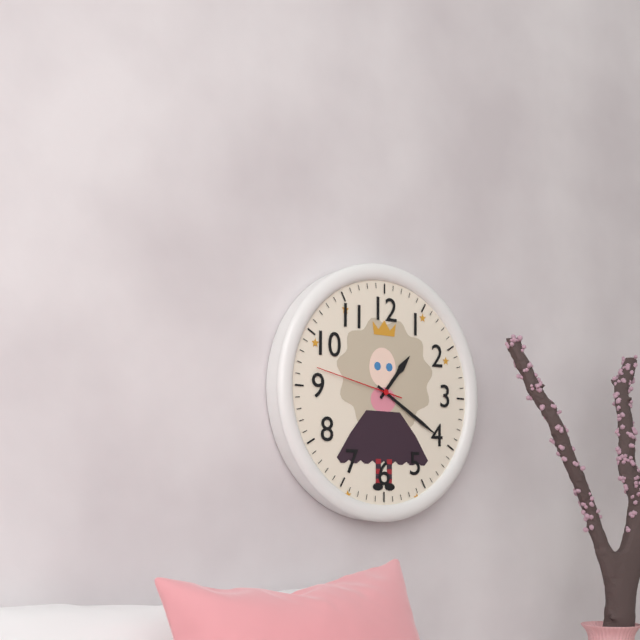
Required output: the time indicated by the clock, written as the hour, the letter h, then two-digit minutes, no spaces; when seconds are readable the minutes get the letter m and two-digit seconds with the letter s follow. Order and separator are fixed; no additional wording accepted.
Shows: 1h20m47s
